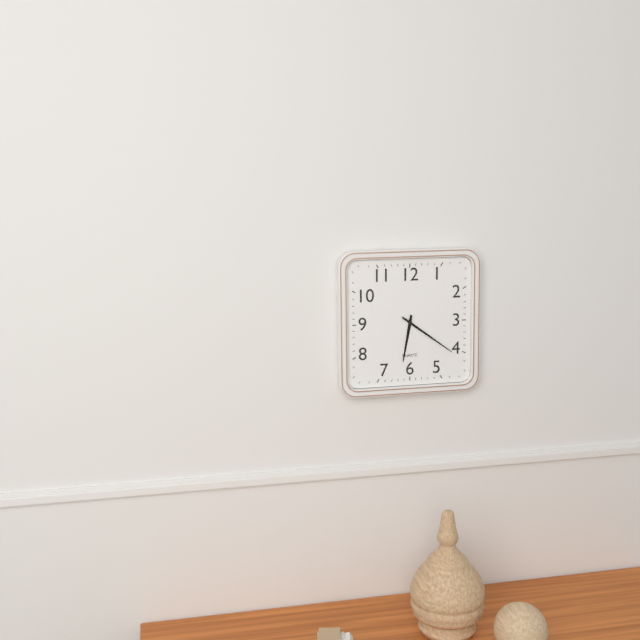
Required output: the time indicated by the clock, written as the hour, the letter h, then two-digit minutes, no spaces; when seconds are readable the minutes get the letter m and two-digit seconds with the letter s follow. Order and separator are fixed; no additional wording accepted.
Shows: 6h21
